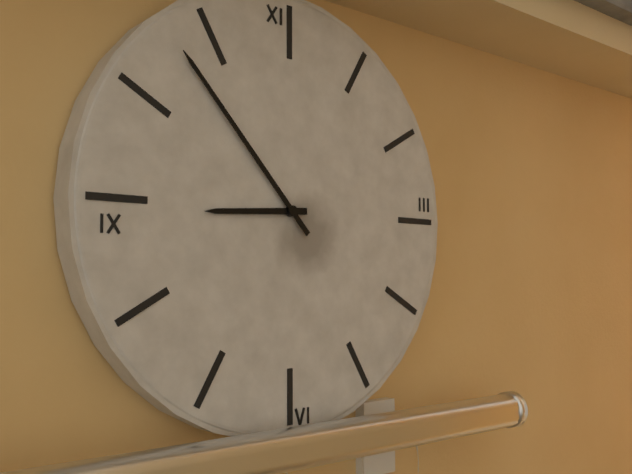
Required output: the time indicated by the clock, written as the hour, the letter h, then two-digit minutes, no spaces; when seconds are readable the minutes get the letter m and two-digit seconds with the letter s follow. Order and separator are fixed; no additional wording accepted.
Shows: 8h53
